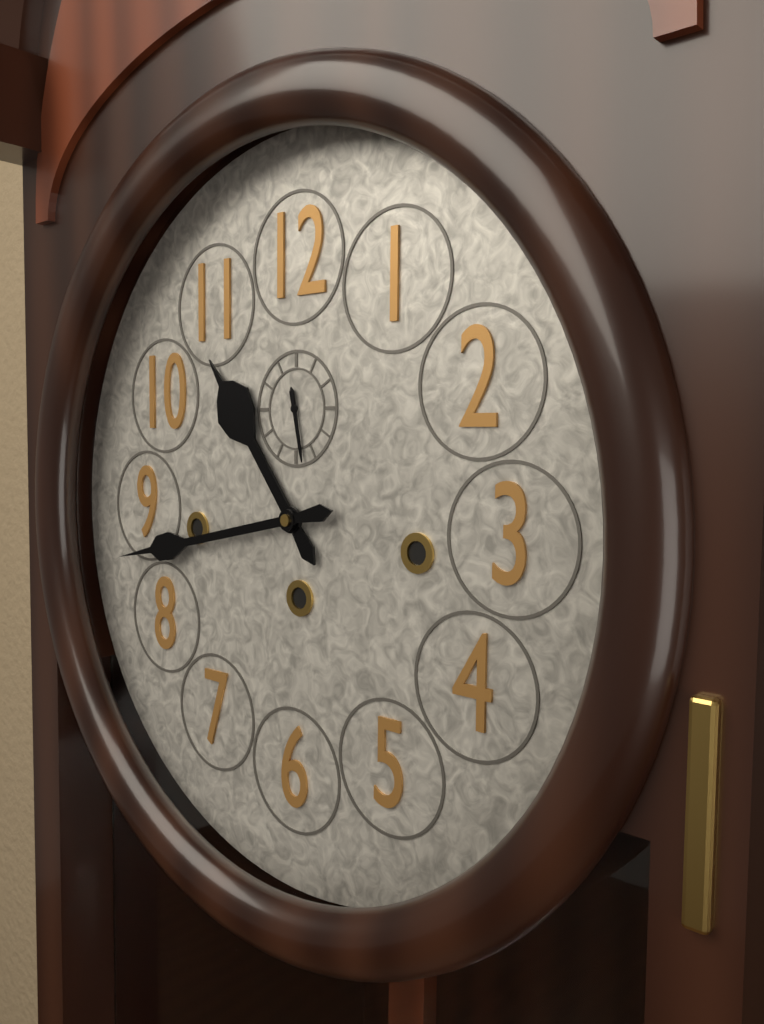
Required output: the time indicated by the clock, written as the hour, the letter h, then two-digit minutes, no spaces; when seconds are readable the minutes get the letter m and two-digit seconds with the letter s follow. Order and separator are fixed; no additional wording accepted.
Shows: 10h43m28s
